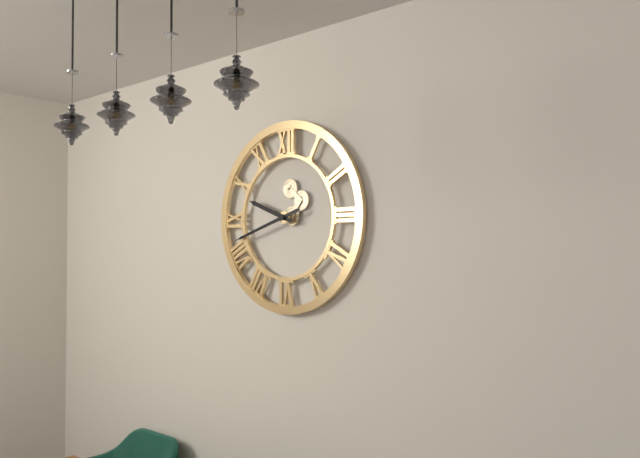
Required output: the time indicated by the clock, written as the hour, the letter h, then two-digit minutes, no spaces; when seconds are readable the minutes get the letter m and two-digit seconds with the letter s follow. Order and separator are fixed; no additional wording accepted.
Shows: 9h42
